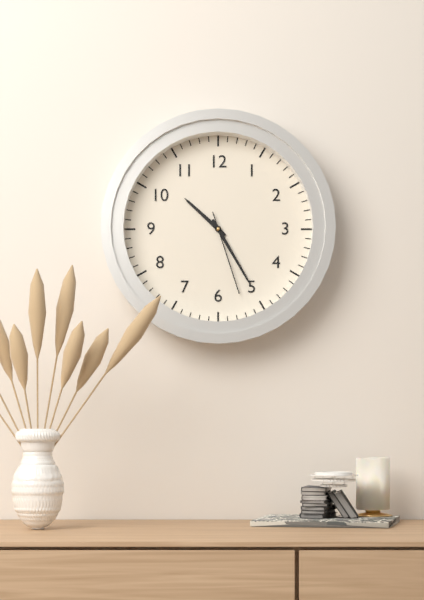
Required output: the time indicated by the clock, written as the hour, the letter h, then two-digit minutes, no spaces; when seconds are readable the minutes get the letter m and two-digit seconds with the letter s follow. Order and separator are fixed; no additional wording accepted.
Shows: 10h25m27s
